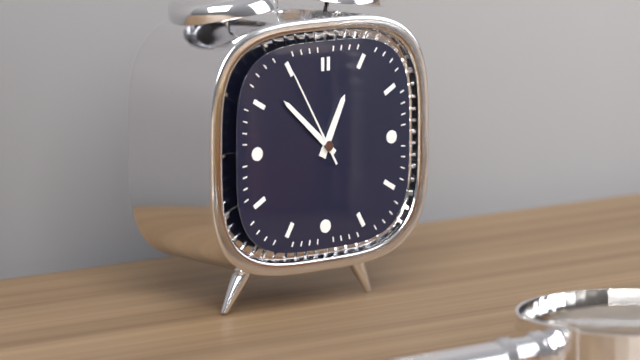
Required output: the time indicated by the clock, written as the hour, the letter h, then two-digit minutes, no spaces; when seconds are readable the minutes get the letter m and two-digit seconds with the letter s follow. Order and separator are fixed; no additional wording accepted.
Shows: 12h52m55s
